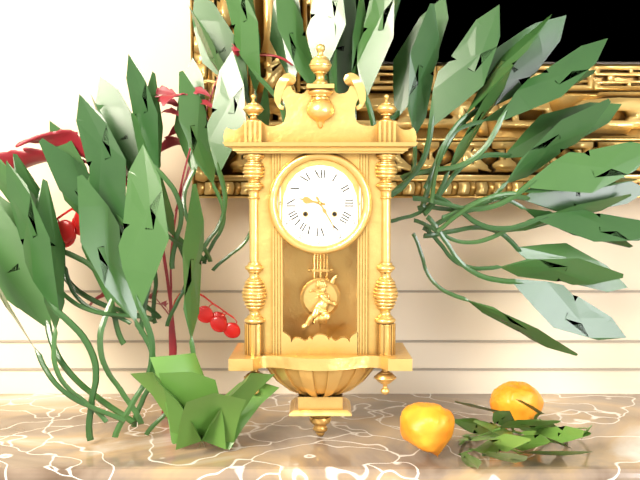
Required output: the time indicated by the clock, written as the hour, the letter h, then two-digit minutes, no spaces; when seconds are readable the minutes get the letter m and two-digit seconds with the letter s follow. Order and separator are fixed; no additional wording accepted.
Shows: 9h25
